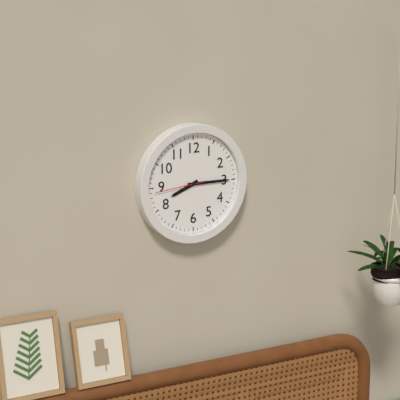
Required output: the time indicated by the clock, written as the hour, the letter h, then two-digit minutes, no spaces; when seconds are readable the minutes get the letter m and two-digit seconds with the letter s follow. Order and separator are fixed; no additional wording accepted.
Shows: 8h15m44s
